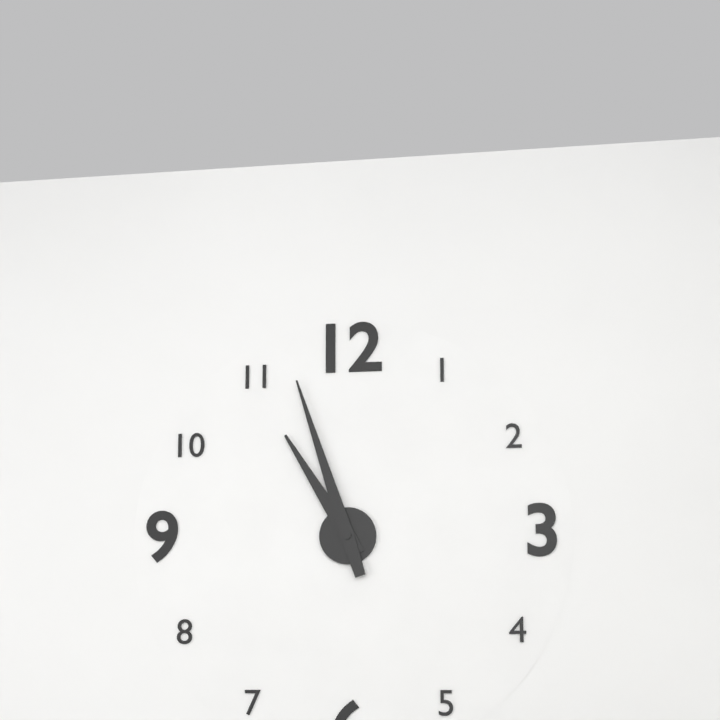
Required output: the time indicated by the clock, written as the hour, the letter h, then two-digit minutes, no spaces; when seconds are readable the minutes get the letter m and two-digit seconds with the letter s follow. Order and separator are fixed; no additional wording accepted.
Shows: 10h57
